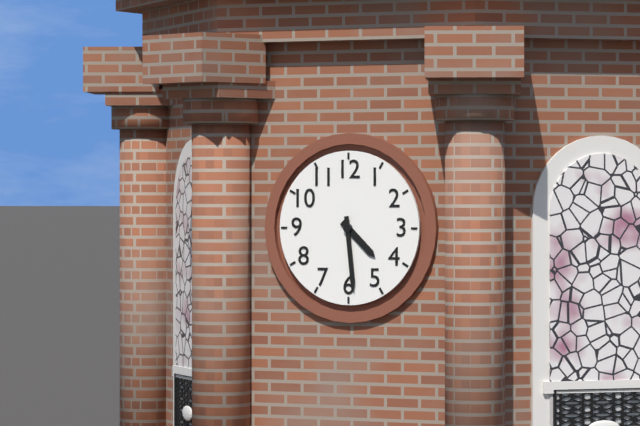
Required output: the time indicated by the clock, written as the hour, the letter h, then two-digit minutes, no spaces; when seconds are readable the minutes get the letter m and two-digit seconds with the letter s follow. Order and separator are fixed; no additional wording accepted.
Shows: 4h29
